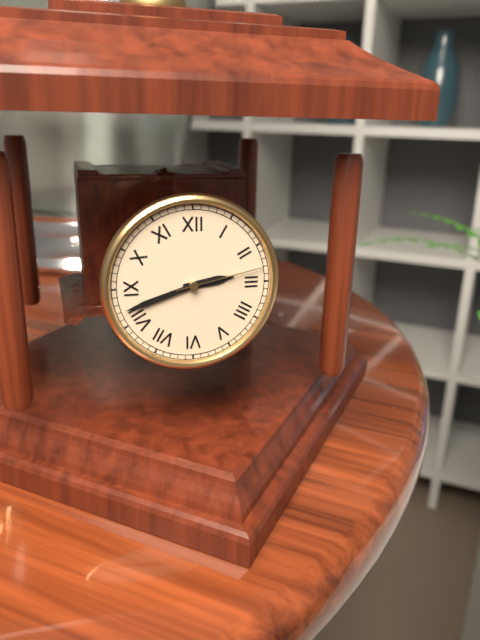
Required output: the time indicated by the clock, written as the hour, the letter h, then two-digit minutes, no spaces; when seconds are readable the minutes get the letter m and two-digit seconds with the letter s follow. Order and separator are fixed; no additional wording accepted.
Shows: 2h42m13s
